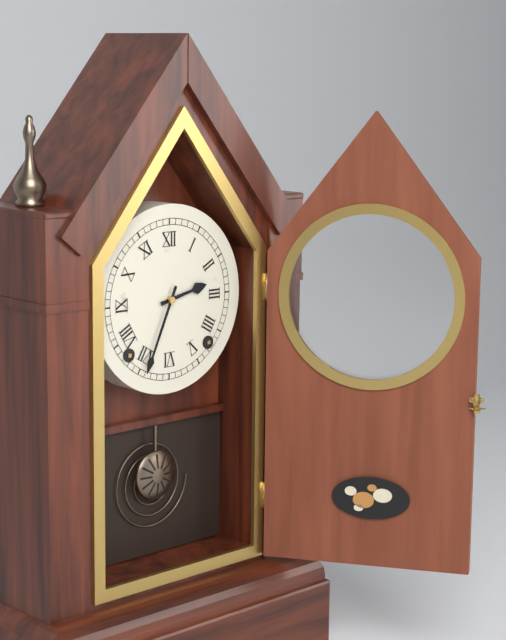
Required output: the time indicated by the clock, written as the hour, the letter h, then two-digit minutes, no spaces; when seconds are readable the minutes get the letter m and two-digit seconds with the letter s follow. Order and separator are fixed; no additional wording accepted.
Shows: 2h34
